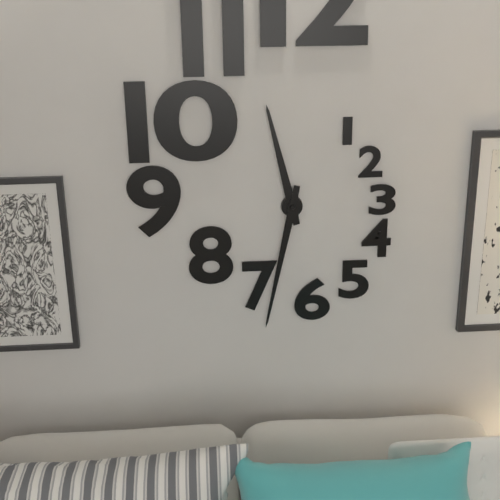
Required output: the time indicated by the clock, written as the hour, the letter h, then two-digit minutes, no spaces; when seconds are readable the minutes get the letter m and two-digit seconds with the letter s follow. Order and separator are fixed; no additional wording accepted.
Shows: 11h32
